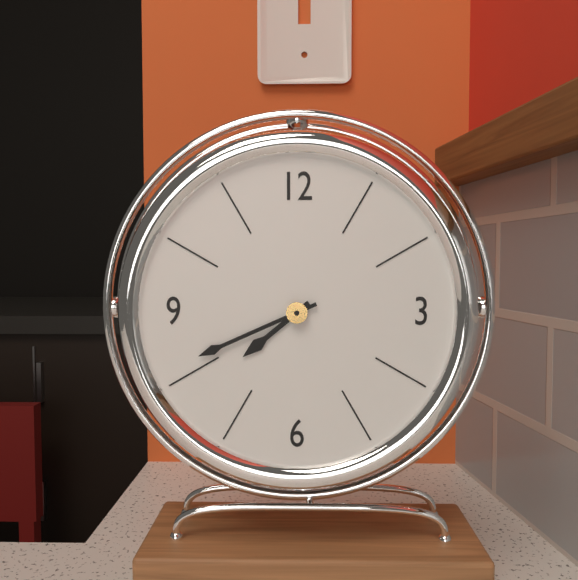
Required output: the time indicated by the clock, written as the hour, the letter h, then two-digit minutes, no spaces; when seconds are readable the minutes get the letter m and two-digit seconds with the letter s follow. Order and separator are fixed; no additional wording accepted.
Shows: 7h41
